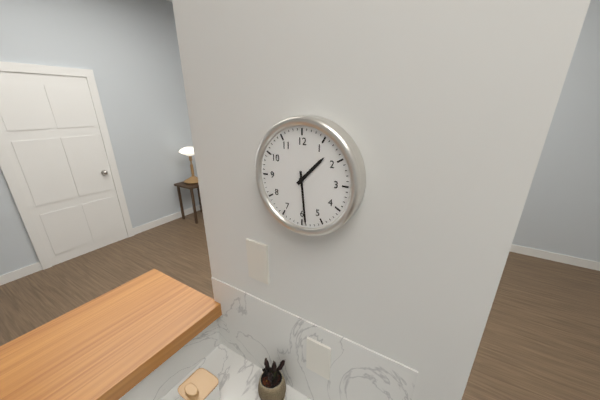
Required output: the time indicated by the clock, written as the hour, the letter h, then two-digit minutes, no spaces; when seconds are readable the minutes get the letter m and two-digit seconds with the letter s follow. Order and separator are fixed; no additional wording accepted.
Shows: 1h29
